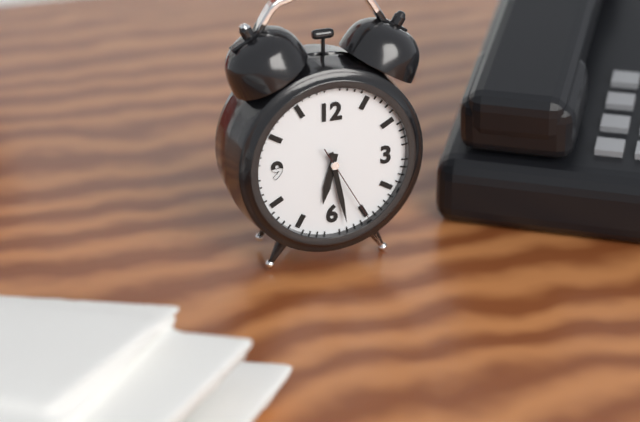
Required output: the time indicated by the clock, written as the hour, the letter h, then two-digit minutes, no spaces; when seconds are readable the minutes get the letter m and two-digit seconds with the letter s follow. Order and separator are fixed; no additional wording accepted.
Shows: 6h28m25s
